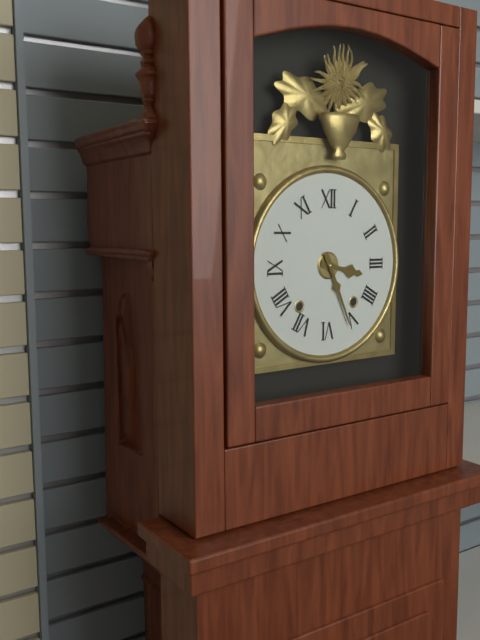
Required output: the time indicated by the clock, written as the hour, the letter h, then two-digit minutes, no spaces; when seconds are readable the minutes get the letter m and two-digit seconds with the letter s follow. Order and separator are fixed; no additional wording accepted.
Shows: 3h26
